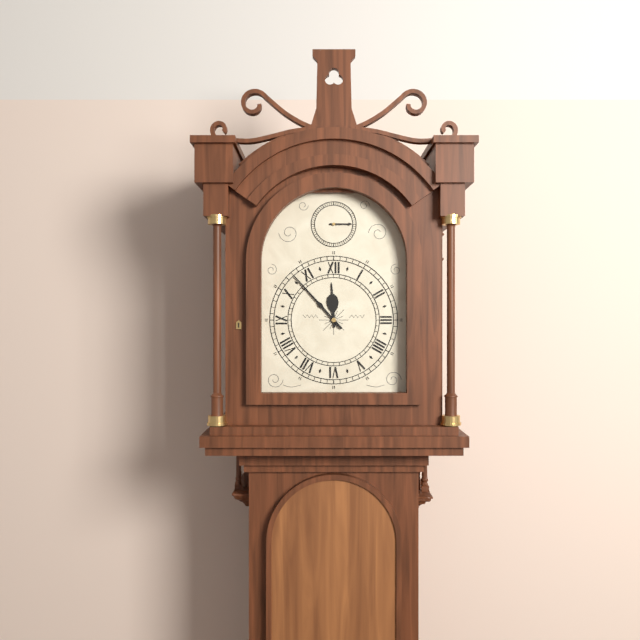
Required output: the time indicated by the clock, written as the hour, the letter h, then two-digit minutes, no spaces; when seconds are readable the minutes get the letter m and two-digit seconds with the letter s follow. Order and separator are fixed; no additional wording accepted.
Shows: 11h53
